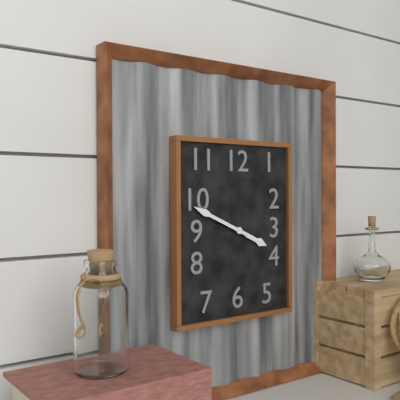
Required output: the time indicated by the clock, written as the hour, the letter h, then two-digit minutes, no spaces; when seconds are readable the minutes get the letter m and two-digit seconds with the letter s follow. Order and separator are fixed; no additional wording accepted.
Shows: 3h49
